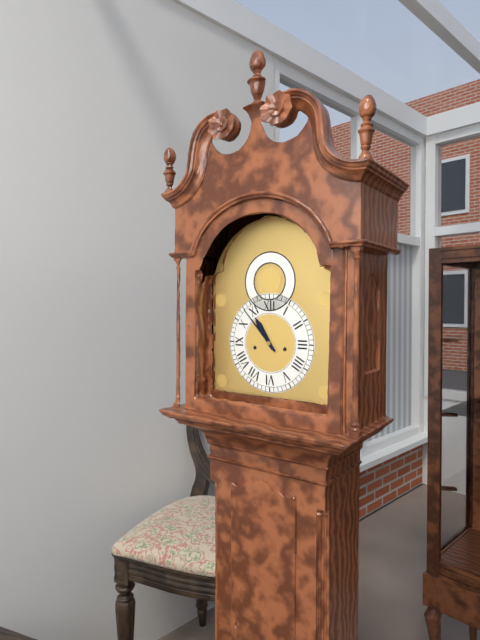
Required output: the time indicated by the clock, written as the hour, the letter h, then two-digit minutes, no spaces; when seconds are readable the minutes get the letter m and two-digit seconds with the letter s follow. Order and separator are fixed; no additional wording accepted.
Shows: 10h53
